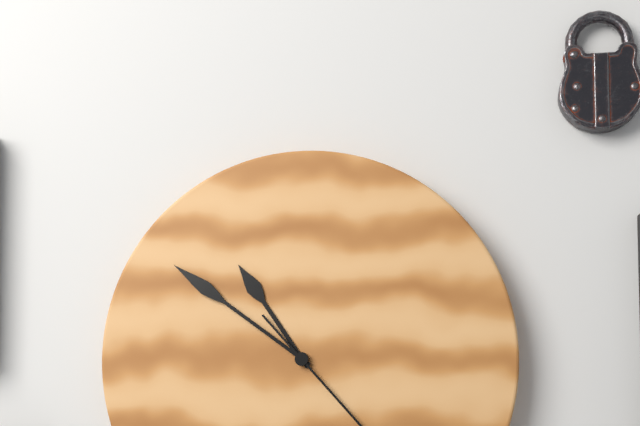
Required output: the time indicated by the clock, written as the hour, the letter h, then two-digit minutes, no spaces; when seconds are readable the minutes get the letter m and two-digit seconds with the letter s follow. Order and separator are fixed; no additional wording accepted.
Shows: 10h51
